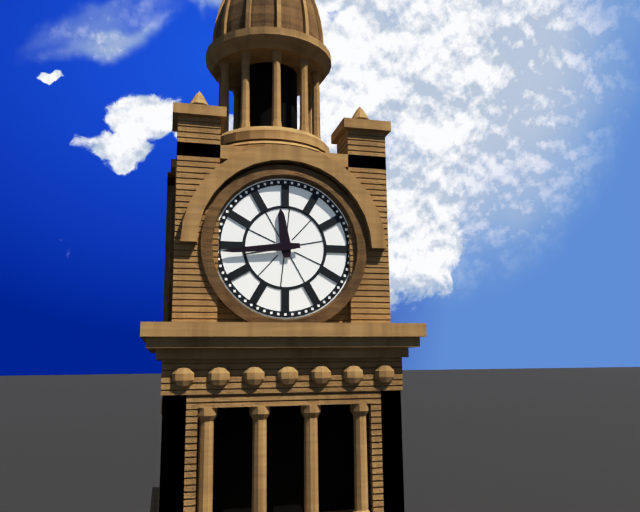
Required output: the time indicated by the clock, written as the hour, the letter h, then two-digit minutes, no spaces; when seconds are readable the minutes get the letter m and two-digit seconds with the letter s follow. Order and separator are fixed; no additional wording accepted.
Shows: 11h44
